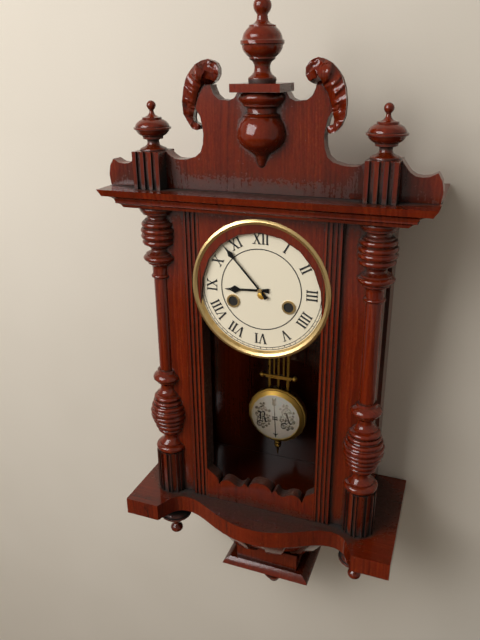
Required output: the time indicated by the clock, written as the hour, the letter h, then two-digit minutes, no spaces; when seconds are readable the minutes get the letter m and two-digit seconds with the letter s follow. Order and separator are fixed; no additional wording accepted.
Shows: 8h53
